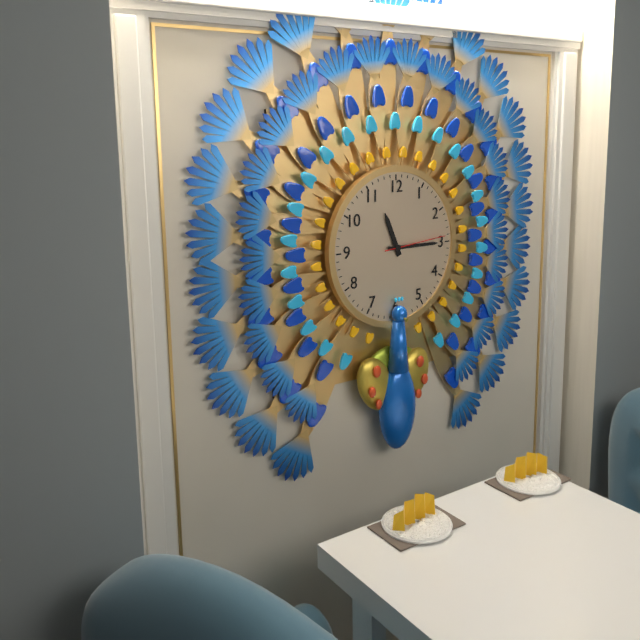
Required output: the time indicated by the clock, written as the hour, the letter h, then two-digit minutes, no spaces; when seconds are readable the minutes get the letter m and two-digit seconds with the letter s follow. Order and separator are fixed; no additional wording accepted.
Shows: 11h15m14s
